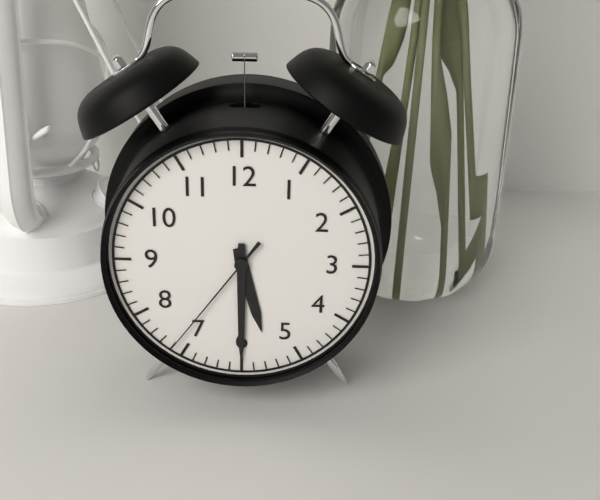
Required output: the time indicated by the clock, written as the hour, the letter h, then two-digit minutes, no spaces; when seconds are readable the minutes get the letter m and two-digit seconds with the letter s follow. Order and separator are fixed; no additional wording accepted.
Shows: 5h30m36s
